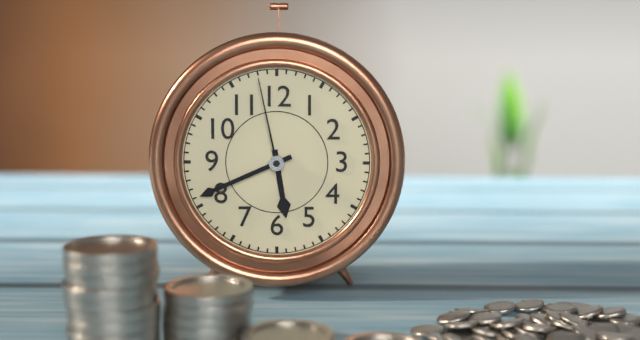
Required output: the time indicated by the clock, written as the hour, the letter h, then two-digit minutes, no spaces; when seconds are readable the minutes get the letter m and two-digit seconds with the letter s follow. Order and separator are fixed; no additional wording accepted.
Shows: 5h41m58s
